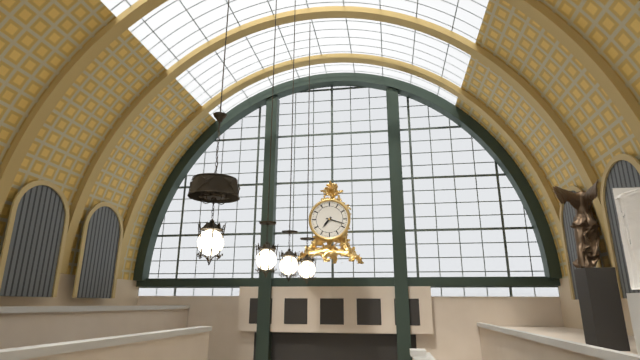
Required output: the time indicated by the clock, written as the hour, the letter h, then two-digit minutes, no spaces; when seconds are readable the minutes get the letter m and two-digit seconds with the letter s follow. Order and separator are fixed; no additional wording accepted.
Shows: 7h18
